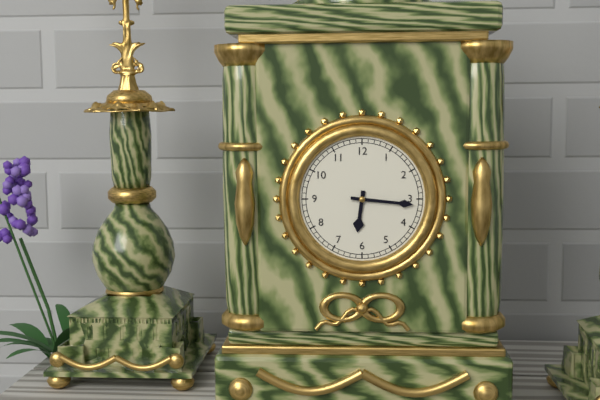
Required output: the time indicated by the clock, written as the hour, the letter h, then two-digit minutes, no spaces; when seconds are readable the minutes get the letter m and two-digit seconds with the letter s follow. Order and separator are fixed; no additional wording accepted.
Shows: 6h16
